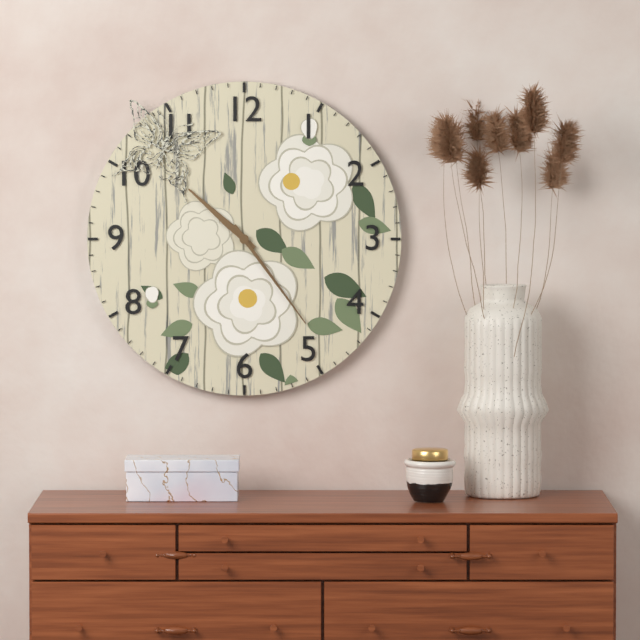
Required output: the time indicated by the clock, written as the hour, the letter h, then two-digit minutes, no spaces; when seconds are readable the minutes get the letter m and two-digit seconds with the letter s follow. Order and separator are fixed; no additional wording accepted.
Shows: 10h24
